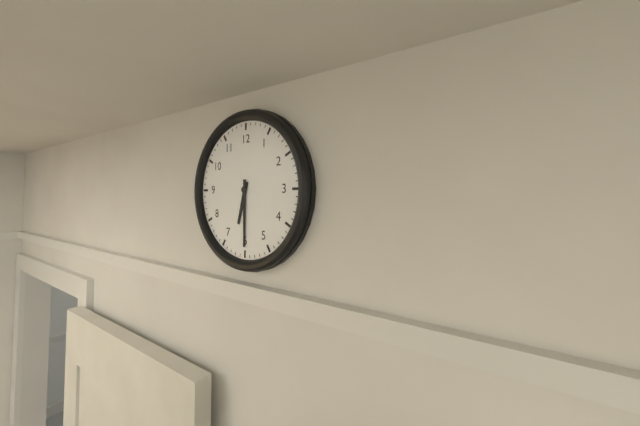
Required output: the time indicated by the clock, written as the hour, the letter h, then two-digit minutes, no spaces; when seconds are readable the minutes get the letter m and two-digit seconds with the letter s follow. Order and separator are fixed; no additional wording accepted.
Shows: 6h30
